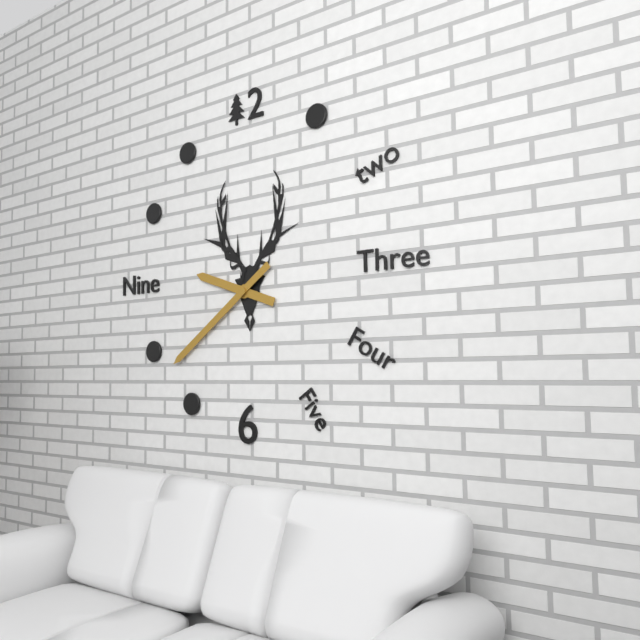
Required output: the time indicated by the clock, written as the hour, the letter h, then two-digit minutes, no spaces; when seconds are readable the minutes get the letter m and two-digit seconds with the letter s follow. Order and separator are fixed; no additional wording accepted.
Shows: 9h39
